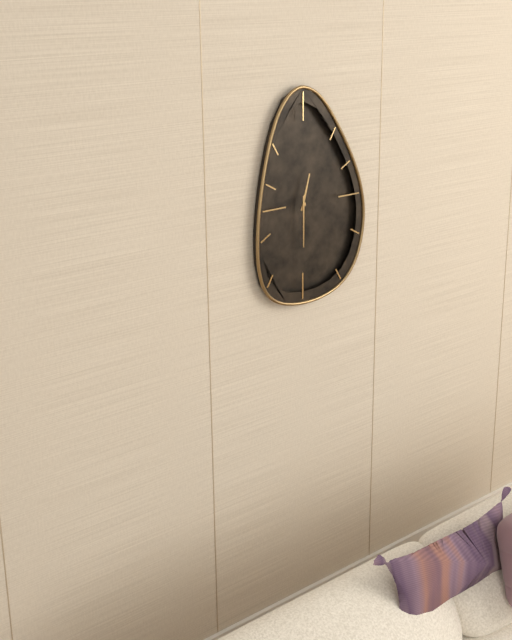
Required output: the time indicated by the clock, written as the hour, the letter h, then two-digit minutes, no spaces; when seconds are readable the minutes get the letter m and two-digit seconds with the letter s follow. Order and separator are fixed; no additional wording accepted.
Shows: 12h30
